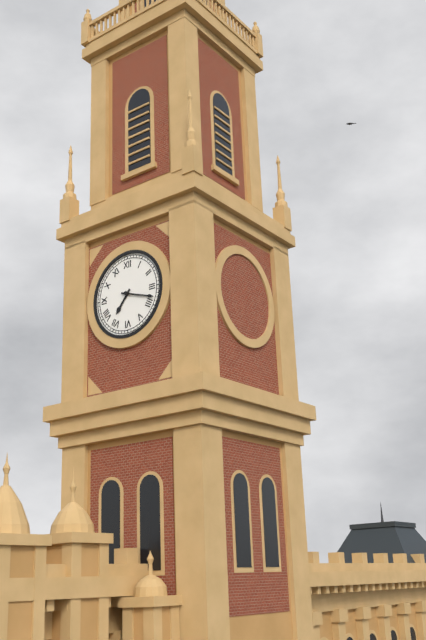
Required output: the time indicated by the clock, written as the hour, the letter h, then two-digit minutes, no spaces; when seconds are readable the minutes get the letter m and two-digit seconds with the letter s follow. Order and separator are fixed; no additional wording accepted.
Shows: 7h18
